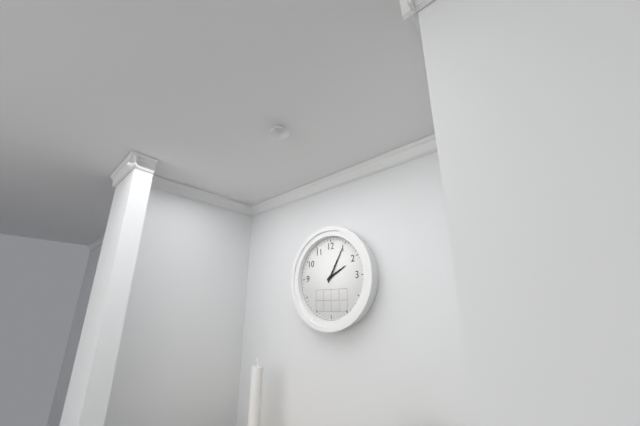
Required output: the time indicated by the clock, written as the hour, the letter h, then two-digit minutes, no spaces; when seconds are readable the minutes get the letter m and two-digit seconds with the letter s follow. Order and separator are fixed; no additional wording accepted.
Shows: 2h05
